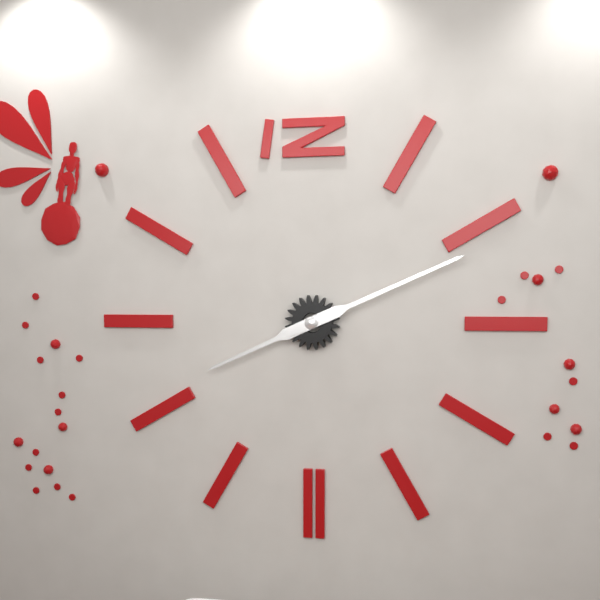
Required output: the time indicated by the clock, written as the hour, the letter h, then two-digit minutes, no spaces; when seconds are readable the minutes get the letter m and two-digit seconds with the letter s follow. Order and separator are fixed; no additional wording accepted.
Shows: 8h11
